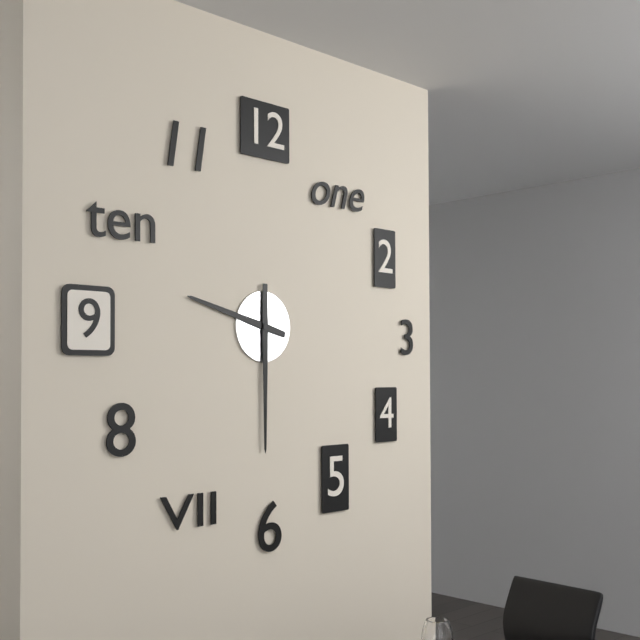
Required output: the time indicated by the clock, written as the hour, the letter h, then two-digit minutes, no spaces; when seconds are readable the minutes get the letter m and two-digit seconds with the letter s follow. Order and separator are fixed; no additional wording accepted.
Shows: 9h30
